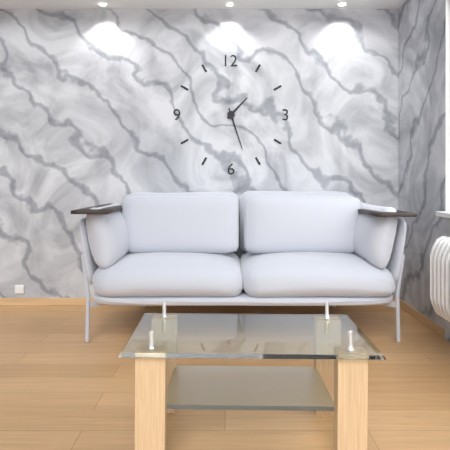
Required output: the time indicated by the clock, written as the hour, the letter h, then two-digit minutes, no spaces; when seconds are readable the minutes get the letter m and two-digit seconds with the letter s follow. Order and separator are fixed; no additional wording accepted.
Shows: 1h27
